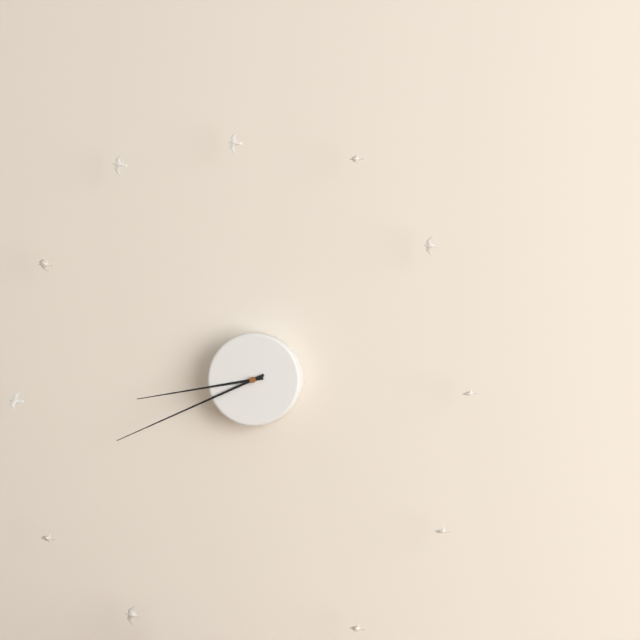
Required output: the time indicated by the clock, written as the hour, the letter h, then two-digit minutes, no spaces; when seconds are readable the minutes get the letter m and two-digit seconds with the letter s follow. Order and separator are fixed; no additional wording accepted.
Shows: 8h41
